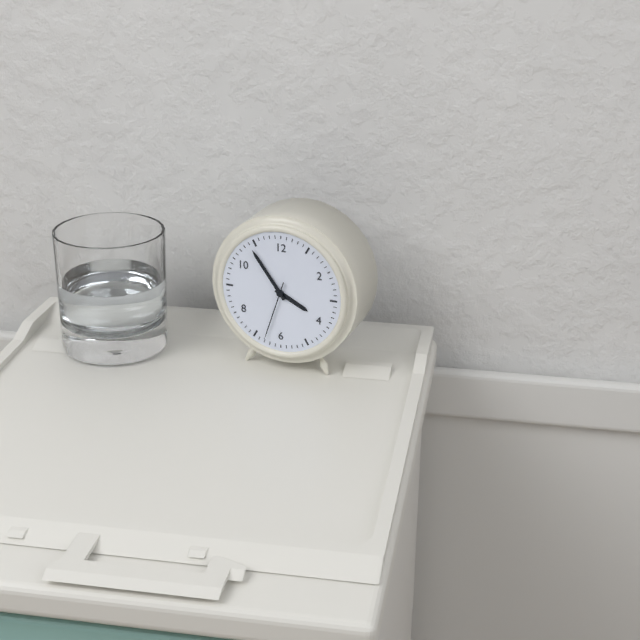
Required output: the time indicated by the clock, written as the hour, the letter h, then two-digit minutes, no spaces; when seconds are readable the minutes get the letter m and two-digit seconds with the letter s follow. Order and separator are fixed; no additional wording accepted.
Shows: 3h54m33s
